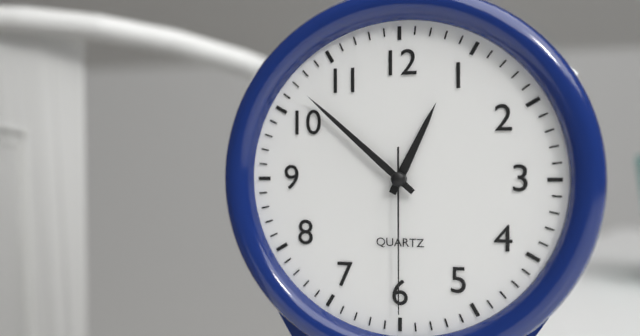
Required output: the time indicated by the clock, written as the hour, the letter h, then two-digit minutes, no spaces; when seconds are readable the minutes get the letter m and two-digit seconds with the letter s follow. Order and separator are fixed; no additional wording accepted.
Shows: 12h52m30s
